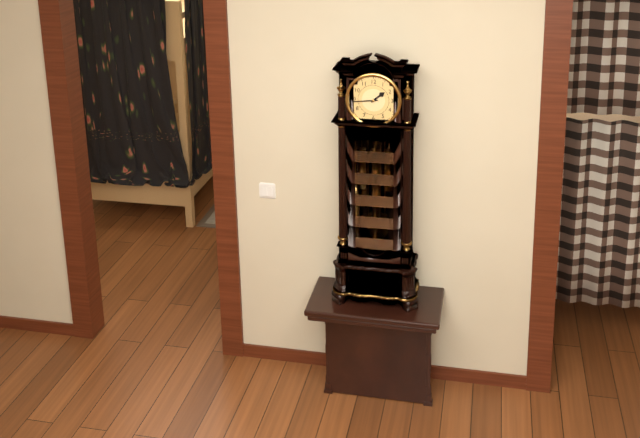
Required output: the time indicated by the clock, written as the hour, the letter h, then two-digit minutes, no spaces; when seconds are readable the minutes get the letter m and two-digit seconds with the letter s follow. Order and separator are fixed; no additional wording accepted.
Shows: 1h44
